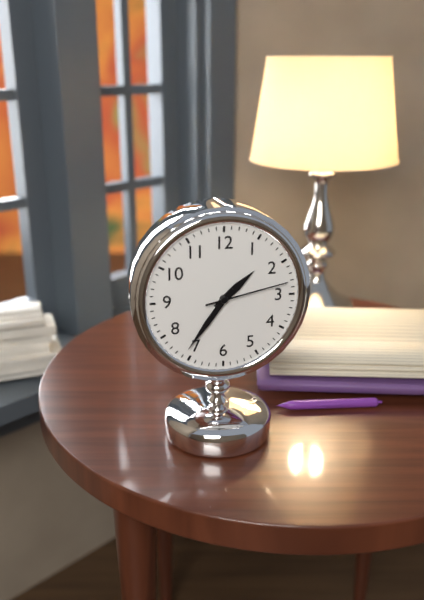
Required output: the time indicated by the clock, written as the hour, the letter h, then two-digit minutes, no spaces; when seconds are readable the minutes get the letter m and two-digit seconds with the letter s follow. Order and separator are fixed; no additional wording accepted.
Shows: 1h36m13s
